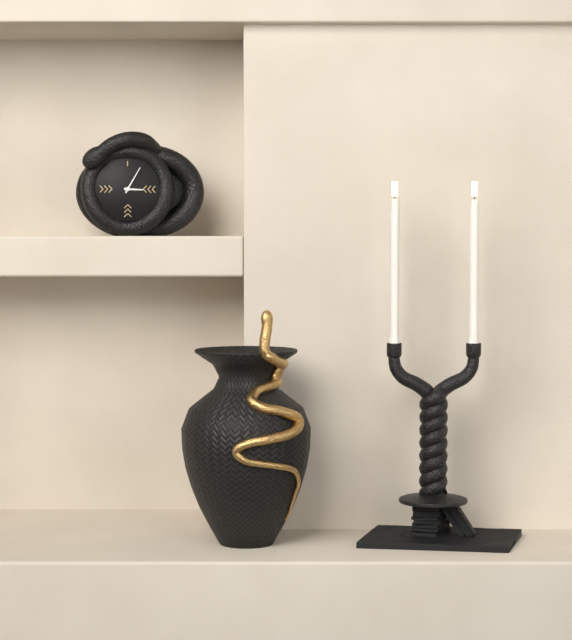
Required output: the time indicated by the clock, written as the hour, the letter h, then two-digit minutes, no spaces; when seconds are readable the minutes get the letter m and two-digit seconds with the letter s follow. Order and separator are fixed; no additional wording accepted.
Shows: 3h05
